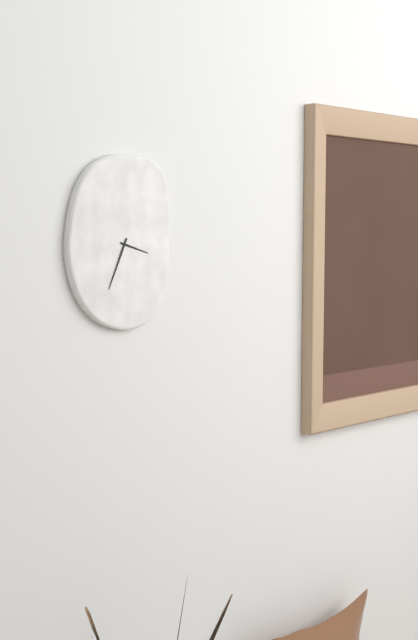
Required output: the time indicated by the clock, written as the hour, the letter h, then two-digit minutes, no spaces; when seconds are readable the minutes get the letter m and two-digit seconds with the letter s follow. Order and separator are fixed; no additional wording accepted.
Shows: 3h34
